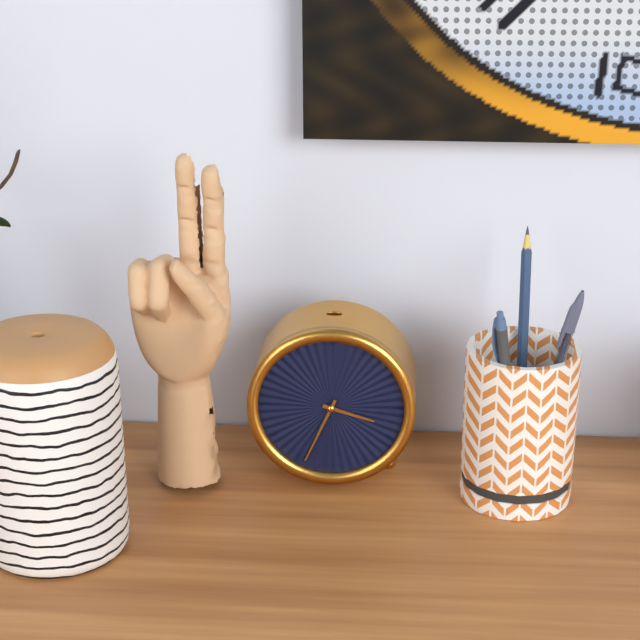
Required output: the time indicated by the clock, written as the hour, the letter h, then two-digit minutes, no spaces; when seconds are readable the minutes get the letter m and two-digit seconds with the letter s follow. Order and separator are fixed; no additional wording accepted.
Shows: 3h34
